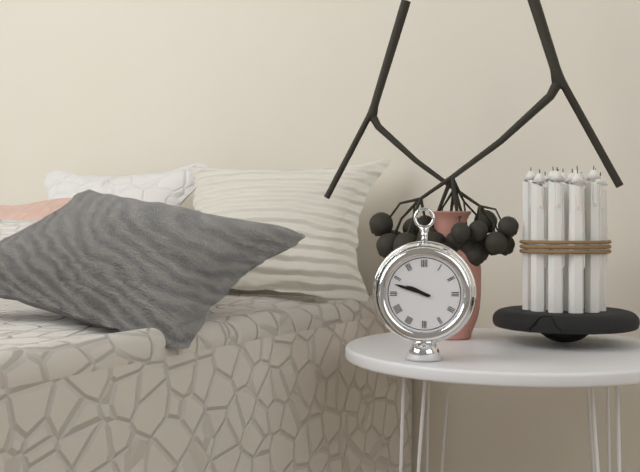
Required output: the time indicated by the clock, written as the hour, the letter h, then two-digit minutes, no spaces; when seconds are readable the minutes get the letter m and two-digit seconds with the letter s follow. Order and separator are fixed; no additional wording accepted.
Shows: 9h48
